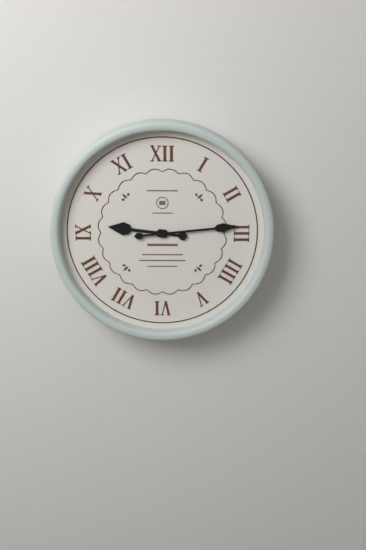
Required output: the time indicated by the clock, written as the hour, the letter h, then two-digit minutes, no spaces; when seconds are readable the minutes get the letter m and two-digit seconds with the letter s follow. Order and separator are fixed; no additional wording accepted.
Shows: 9h14
